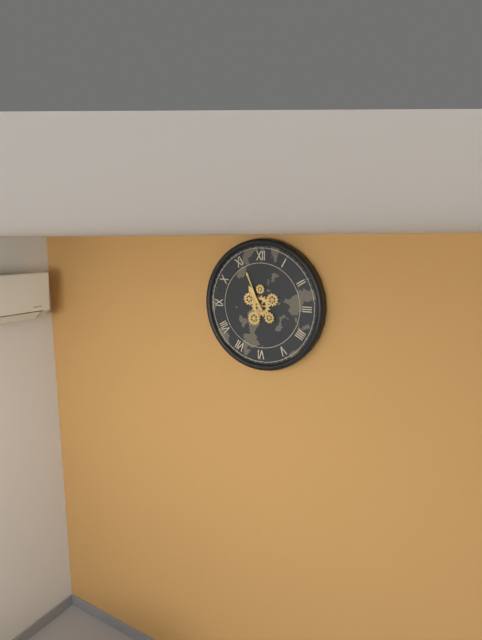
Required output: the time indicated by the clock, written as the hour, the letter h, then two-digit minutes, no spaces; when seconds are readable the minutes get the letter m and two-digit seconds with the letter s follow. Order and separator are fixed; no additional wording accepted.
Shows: 10h56
